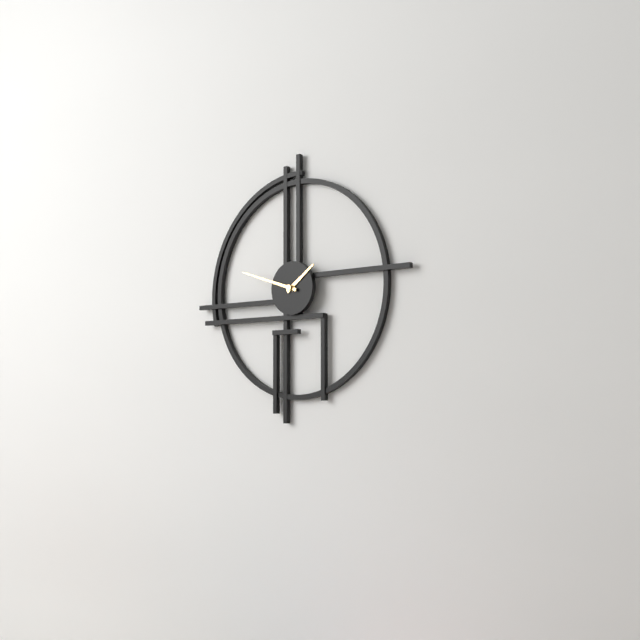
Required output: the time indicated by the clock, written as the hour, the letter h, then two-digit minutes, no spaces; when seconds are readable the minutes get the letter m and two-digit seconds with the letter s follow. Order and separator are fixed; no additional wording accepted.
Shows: 1h48
